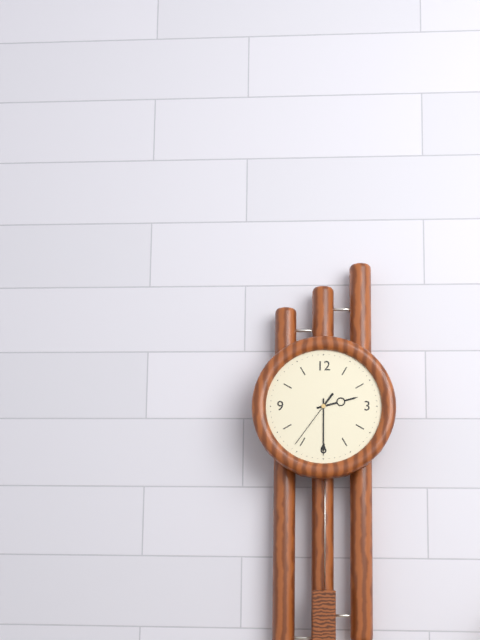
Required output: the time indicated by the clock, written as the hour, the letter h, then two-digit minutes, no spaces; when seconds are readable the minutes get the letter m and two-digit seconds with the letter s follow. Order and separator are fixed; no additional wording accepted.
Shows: 2h30m36s
